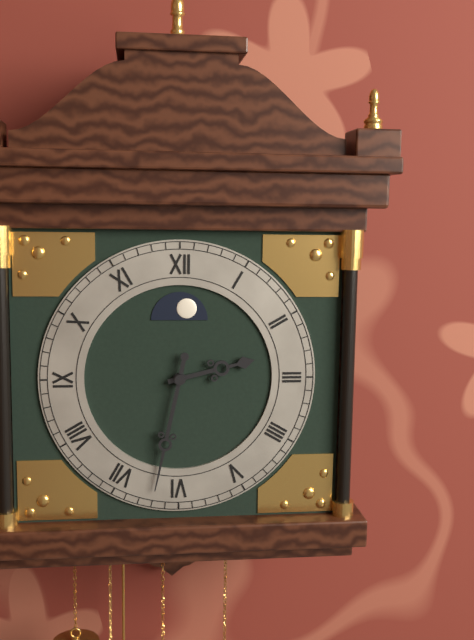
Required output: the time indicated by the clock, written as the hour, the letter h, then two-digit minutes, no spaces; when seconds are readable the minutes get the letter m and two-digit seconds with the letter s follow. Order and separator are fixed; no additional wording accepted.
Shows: 2h32
